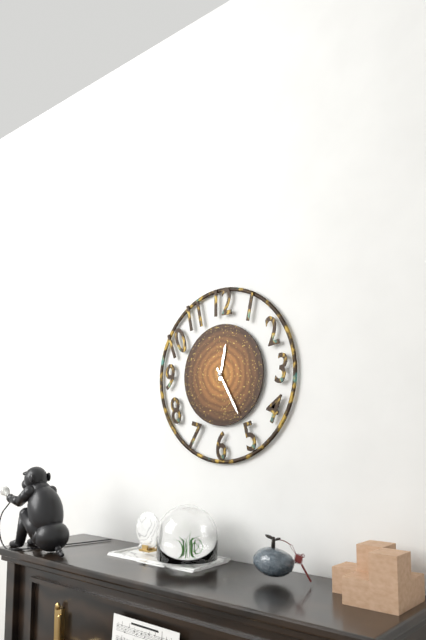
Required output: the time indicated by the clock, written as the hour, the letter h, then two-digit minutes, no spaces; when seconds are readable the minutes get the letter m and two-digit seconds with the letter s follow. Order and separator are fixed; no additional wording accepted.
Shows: 12h25
